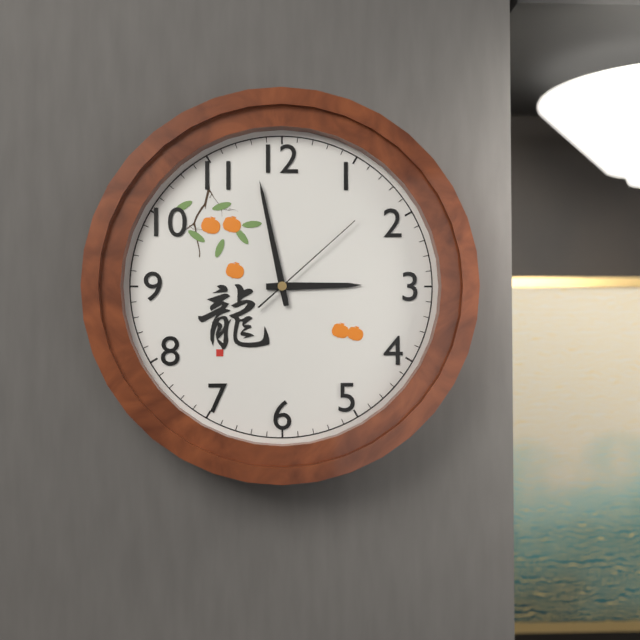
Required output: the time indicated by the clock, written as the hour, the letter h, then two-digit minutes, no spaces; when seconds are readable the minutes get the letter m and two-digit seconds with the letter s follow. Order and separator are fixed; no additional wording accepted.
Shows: 2h58m08s
